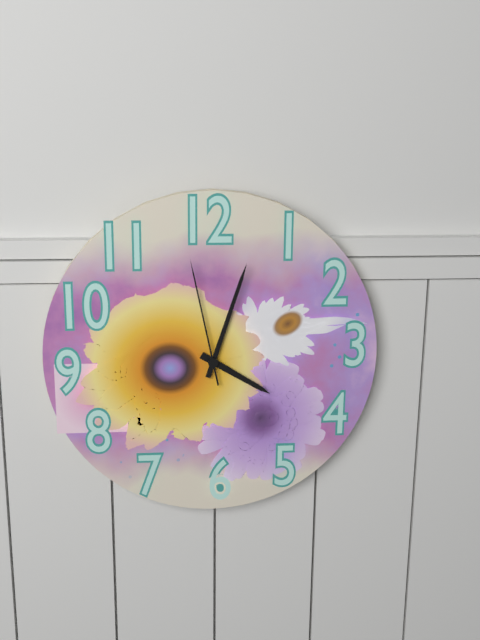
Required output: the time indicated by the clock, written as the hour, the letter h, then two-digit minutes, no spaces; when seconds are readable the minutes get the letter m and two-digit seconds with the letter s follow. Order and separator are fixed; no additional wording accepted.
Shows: 4h03m58s
